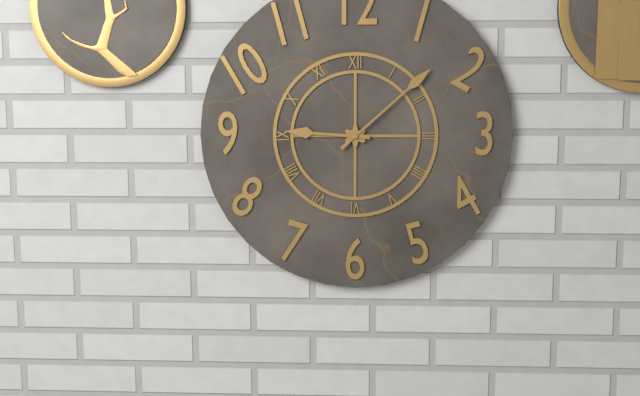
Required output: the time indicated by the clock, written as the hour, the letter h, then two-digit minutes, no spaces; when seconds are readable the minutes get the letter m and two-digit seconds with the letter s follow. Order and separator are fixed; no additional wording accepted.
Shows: 9h08
